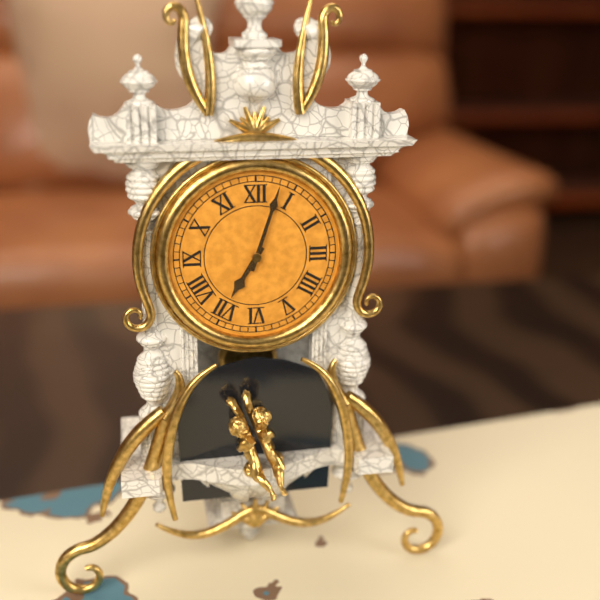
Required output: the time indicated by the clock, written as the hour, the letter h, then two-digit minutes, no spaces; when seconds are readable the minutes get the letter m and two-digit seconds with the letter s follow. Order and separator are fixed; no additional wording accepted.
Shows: 7h03
